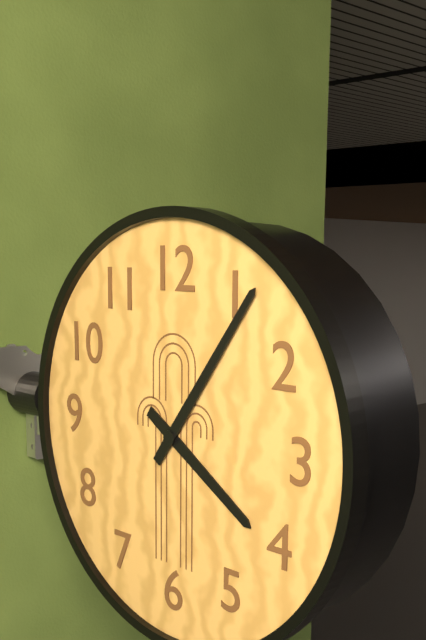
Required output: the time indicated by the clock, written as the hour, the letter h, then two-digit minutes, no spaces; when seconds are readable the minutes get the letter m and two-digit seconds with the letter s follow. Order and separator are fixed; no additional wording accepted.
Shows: 4h06
